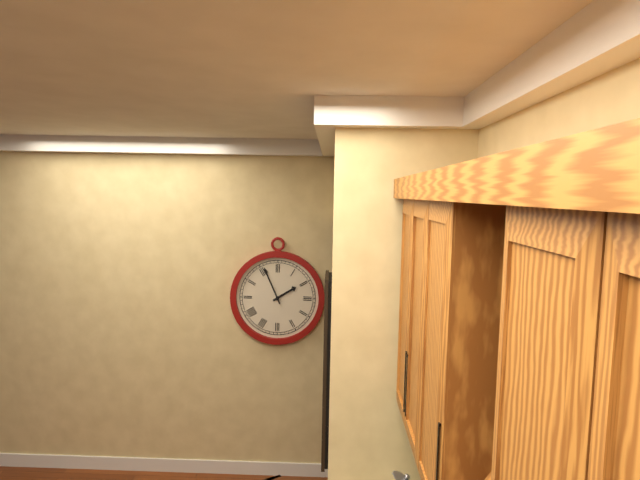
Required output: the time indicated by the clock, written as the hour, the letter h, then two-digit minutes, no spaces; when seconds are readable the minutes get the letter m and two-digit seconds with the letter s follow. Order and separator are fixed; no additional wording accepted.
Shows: 1h56
